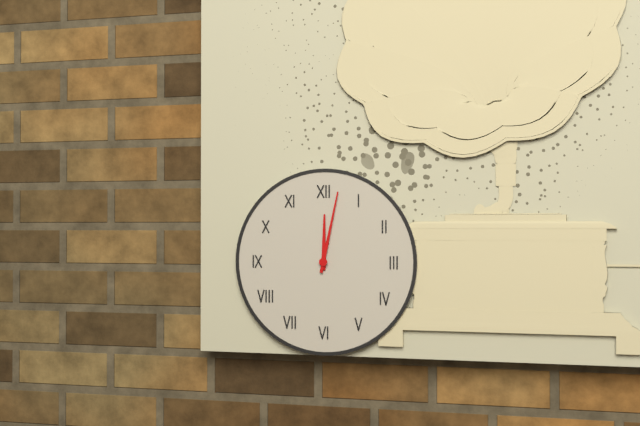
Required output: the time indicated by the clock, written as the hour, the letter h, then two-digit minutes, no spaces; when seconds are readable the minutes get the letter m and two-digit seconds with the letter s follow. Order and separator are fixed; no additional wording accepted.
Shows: 12h02
